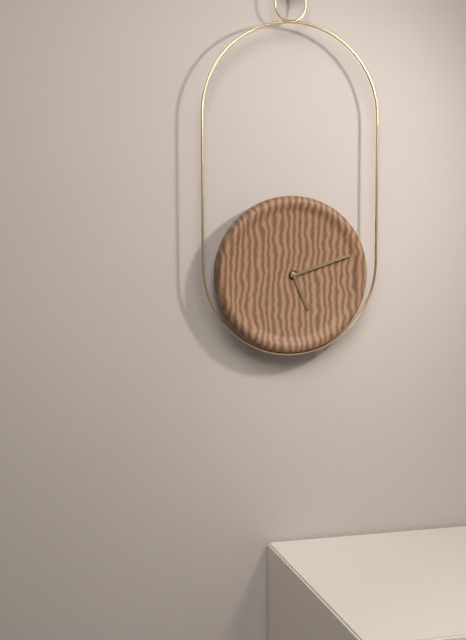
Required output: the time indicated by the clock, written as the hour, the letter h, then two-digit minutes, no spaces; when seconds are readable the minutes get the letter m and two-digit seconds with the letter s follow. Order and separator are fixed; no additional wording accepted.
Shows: 5h12
